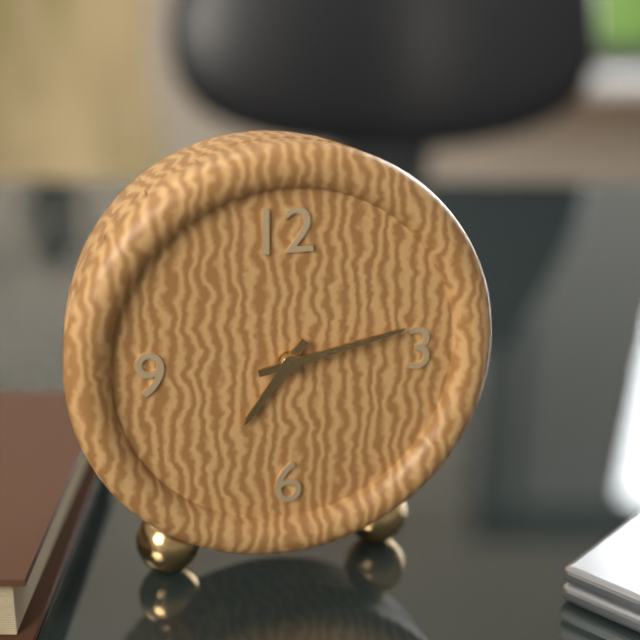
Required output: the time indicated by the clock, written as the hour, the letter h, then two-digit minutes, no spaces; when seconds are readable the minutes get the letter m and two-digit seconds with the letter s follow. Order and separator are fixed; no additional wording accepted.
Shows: 7h13
